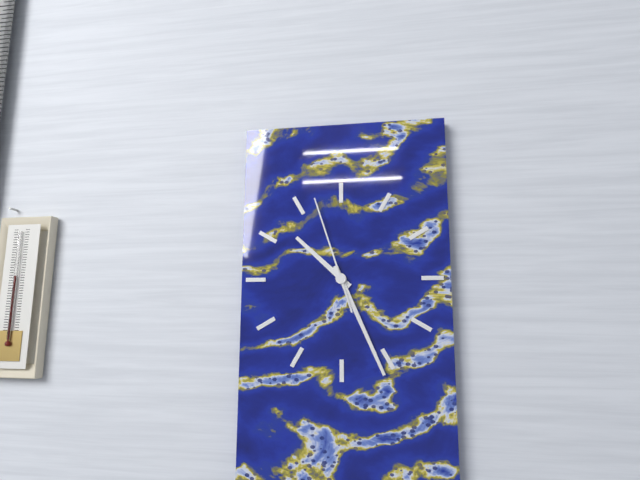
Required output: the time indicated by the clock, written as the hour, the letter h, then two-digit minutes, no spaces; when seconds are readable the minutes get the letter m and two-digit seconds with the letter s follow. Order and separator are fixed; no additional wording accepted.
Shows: 10h26m57s
